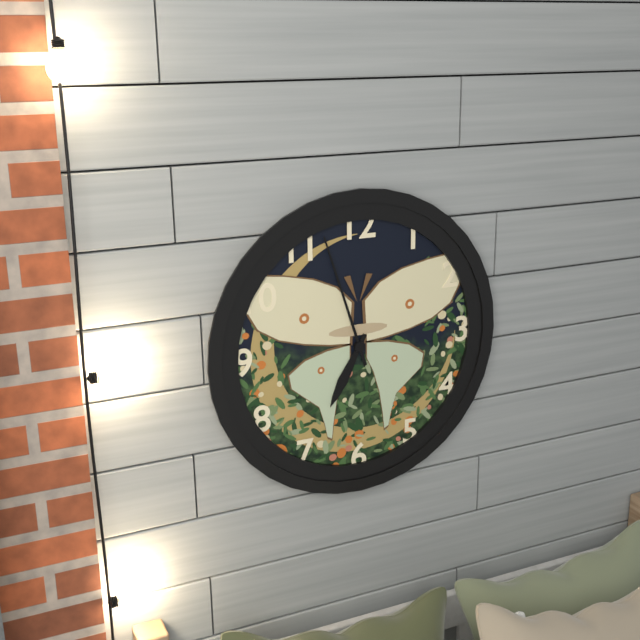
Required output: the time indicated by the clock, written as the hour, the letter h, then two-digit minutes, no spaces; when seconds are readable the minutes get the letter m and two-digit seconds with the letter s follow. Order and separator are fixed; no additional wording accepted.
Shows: 6h57
